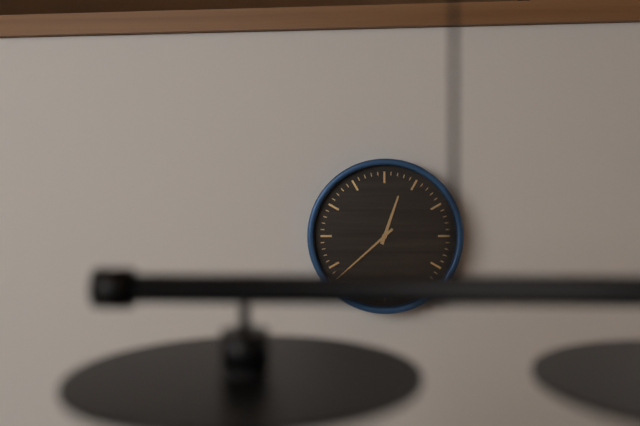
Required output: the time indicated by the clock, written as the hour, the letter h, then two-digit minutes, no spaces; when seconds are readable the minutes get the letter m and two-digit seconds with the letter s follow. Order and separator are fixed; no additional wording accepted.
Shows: 12h38
